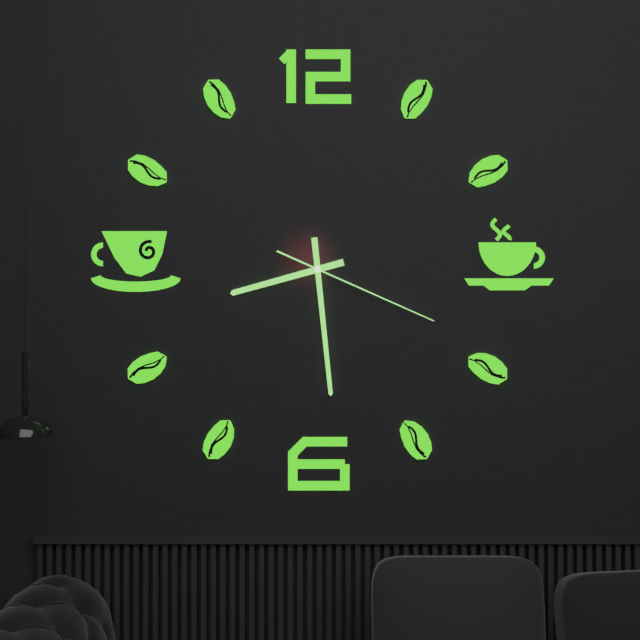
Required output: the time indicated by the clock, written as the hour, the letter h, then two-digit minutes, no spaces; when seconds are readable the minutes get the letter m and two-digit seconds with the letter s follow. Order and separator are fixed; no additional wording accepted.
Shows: 8h29m19s
